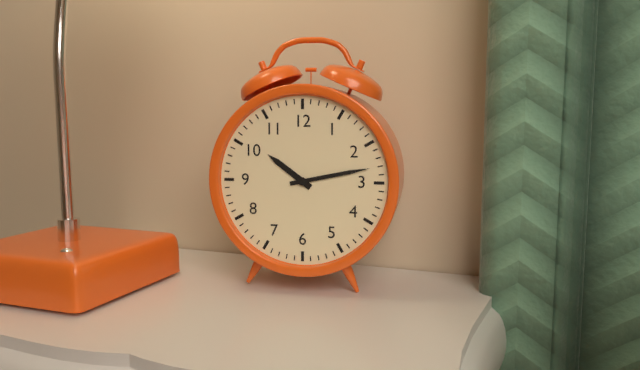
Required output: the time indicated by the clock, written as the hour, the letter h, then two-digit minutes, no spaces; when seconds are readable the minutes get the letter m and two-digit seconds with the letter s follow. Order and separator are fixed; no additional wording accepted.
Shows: 10h13
